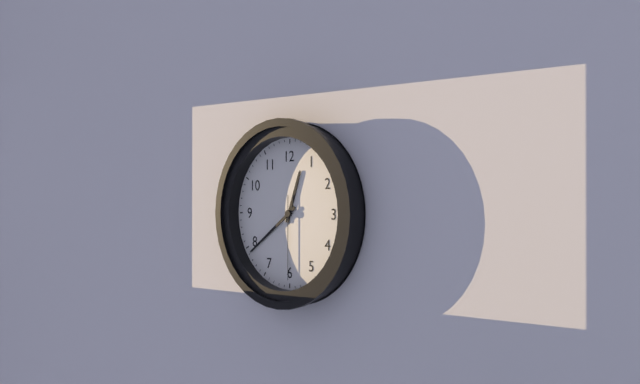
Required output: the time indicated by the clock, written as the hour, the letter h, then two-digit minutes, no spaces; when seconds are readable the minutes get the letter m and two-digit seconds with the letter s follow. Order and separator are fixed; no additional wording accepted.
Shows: 12h39m30s
